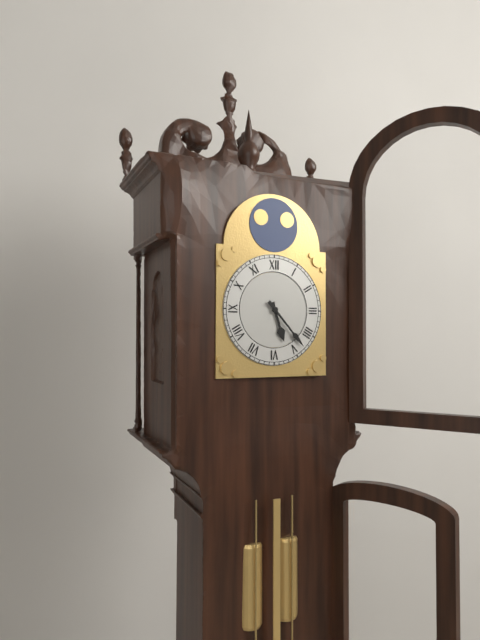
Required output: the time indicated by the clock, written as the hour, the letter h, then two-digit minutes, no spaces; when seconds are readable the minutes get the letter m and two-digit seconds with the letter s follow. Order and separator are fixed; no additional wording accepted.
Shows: 5h23
